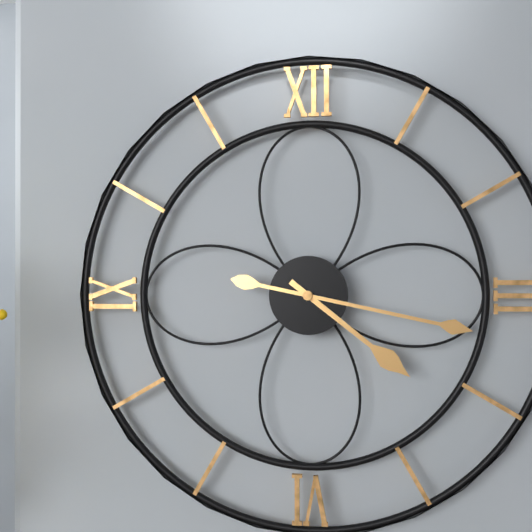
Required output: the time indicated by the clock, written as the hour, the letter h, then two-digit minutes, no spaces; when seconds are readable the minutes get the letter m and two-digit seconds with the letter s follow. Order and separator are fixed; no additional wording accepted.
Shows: 4h17
